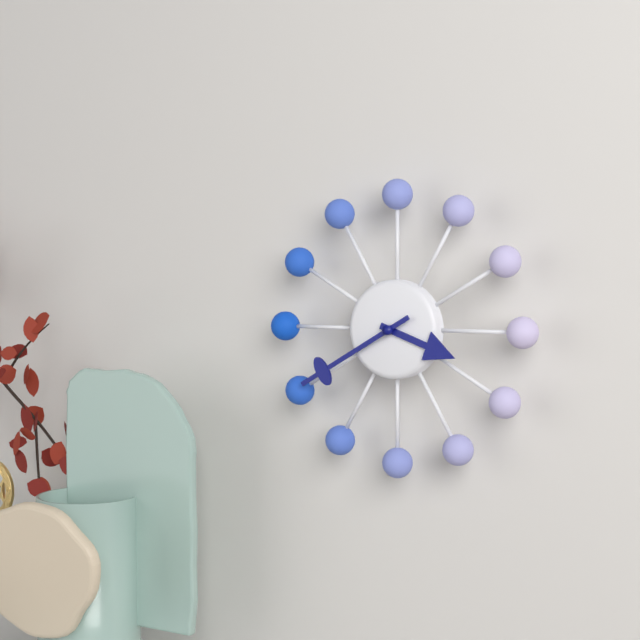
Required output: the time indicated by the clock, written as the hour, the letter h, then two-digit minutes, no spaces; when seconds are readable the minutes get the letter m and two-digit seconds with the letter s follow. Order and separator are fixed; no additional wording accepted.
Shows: 3h40
